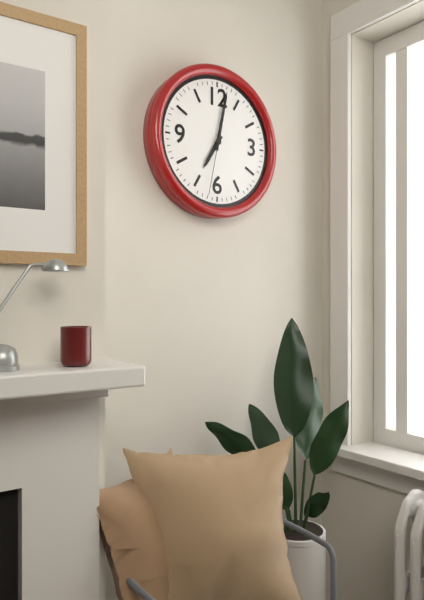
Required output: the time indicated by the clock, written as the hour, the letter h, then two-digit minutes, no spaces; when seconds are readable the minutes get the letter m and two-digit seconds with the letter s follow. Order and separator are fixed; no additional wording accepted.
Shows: 7h02m32s
